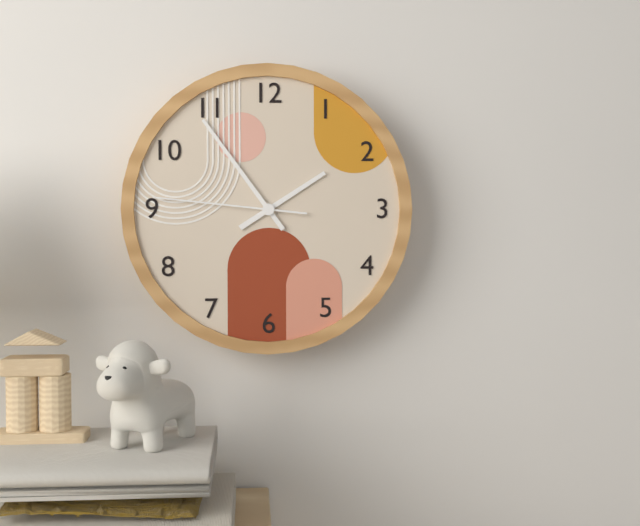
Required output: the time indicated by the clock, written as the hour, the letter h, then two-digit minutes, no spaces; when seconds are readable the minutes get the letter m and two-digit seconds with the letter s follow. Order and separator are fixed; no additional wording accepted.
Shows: 1h54m46s
